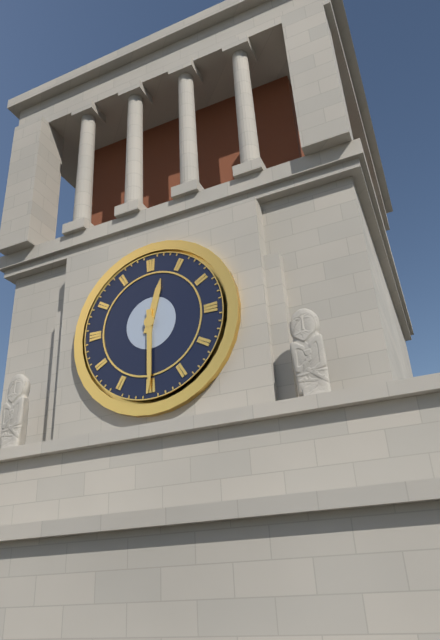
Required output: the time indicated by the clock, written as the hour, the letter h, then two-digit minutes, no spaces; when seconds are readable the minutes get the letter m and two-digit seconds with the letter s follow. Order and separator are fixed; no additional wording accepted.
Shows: 12h30
